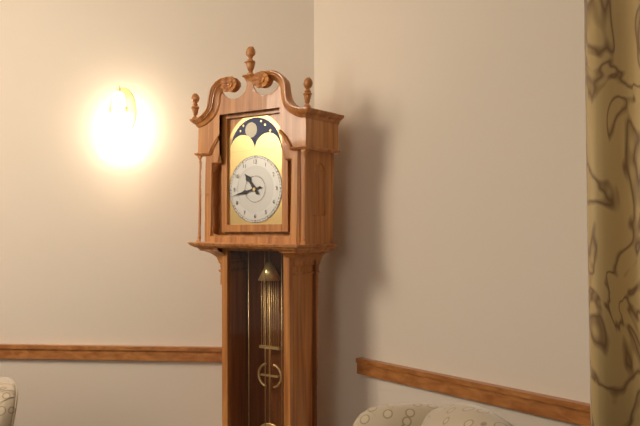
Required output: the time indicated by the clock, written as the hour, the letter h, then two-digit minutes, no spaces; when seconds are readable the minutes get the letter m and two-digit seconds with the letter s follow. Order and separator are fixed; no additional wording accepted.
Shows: 10h43
